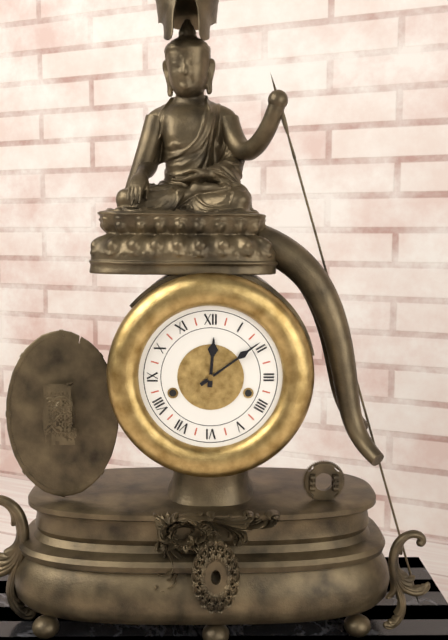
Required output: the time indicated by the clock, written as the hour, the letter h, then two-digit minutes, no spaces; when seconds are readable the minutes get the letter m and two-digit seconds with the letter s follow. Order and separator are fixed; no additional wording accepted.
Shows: 12h09
